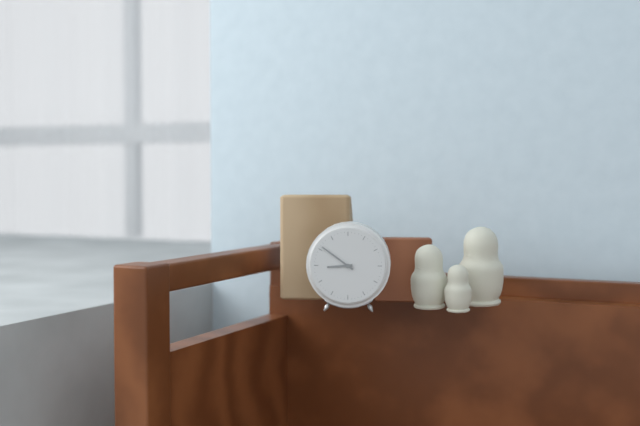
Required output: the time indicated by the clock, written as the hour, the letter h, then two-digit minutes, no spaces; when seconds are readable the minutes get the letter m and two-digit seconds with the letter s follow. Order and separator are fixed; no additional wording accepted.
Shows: 8h51
